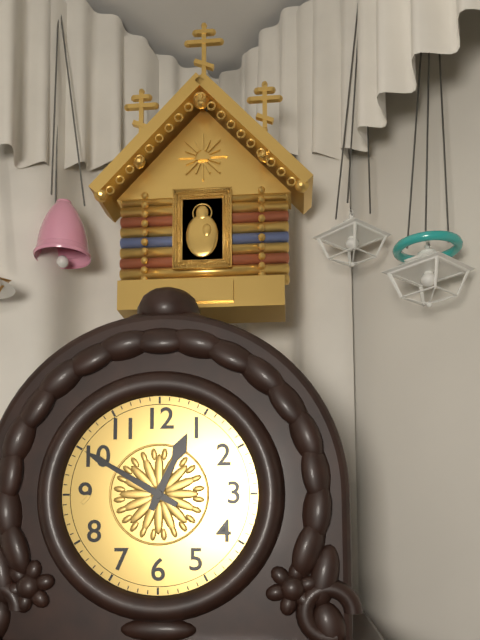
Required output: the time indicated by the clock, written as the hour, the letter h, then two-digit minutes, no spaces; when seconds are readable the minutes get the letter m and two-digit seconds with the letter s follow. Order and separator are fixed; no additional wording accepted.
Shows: 12h50
